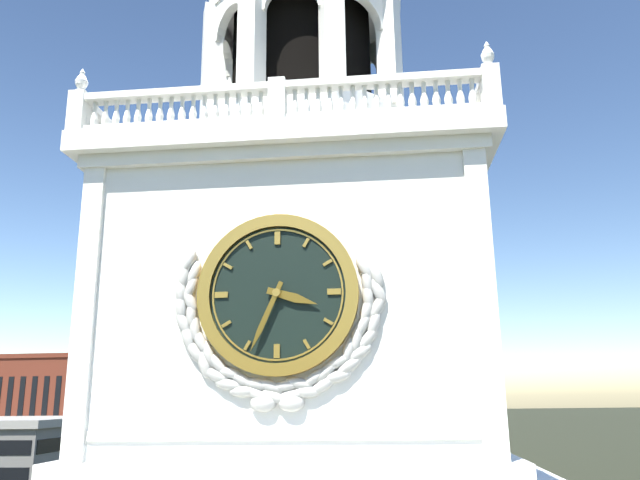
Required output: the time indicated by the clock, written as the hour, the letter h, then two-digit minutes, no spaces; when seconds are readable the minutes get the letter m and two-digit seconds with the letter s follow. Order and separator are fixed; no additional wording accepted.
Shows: 3h34
